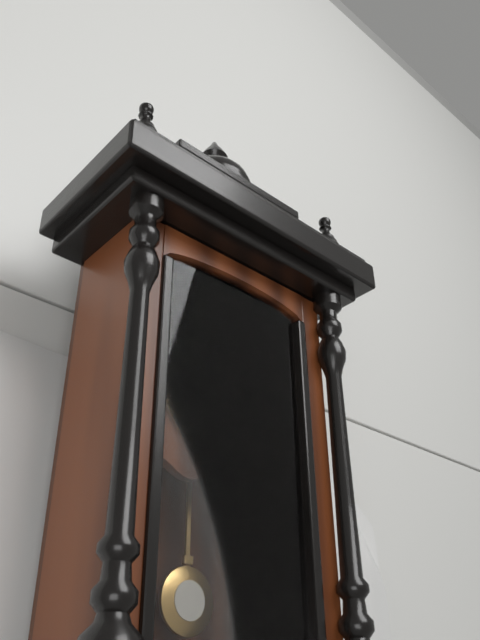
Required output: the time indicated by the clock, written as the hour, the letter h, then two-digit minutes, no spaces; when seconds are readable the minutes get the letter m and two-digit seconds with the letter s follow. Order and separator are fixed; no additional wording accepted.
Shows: 1h56
